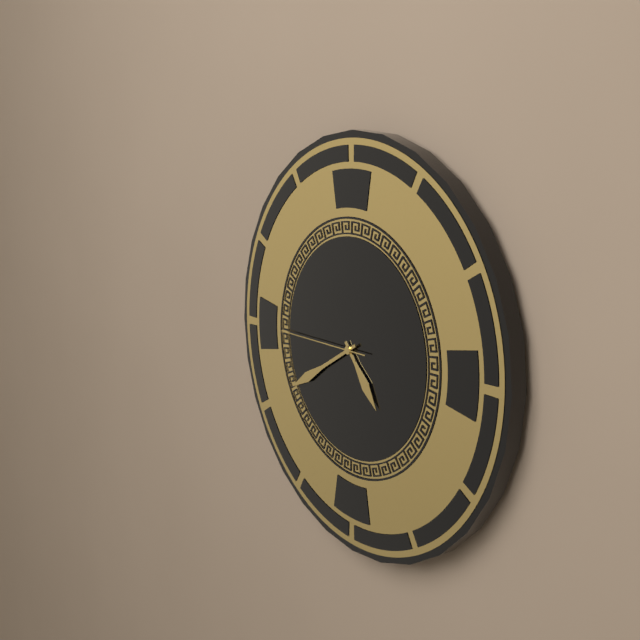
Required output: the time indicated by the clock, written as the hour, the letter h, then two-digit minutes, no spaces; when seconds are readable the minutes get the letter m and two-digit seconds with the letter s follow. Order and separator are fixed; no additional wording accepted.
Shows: 4h40m45s
